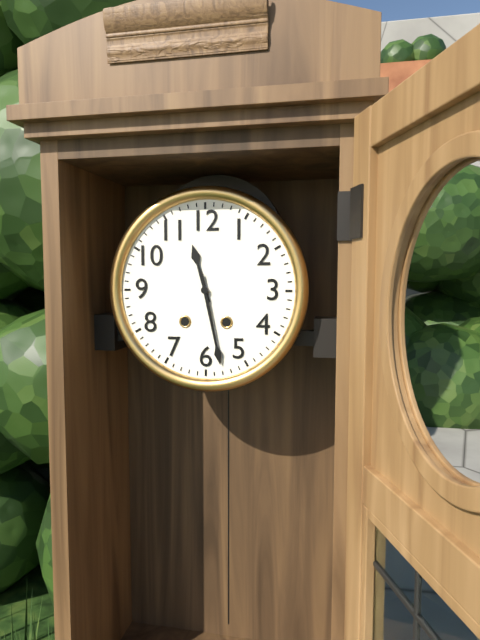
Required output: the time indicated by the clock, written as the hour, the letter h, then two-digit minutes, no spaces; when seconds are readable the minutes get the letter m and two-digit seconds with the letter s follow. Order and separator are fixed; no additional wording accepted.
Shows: 11h28
